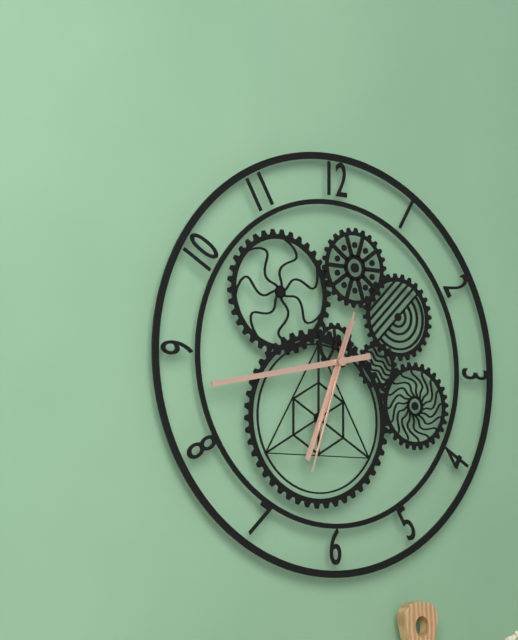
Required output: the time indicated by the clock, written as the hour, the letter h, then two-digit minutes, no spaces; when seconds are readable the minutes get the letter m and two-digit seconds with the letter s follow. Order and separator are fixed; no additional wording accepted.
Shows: 6h43m33s
